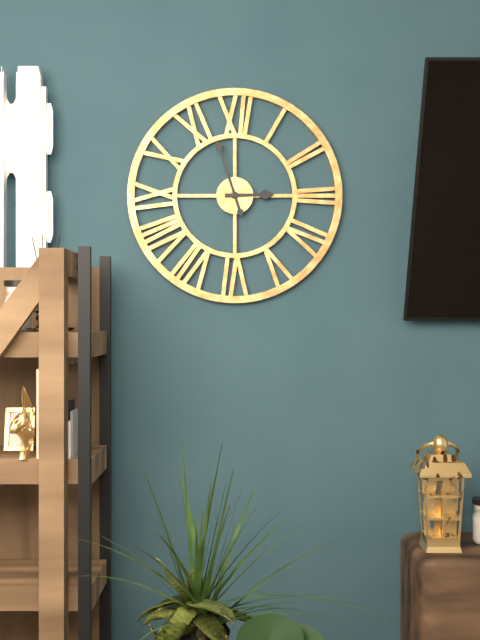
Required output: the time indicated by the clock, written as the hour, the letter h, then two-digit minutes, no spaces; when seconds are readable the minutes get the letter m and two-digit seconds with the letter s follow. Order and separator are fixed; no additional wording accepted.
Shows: 2h57
